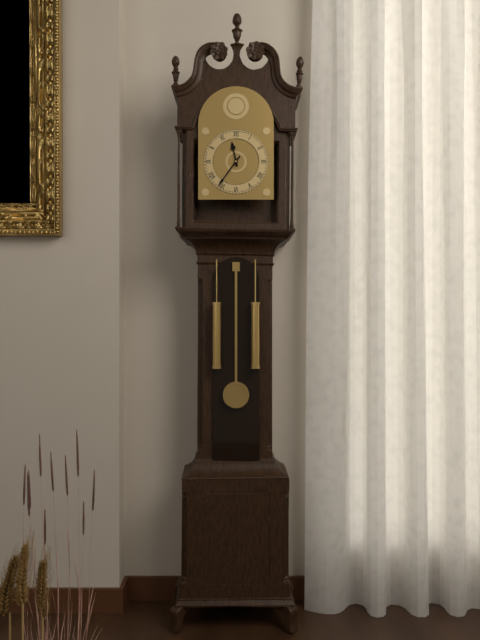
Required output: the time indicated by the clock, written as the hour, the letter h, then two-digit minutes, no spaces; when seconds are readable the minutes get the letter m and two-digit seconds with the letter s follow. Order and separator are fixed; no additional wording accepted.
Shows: 11h36
